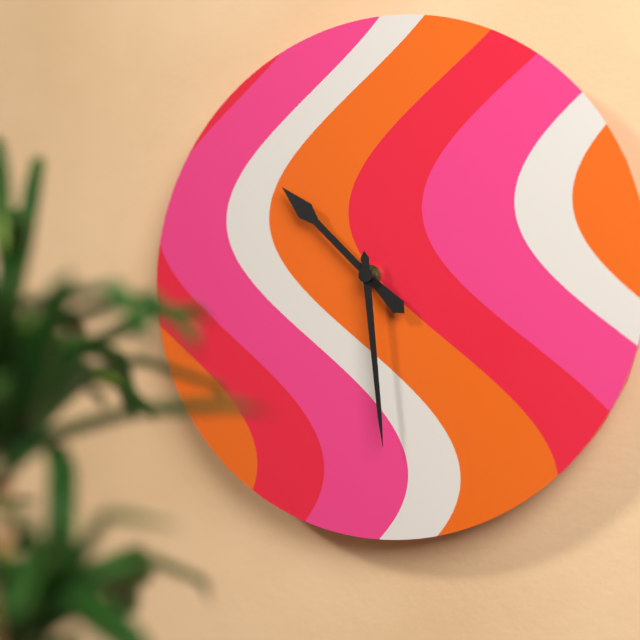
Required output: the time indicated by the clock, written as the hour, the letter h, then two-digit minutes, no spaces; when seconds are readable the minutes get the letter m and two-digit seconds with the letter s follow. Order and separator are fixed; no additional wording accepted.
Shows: 10h29
